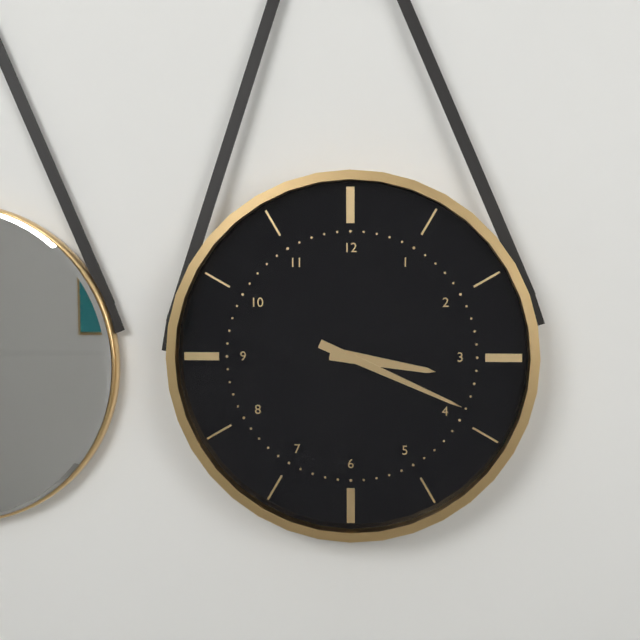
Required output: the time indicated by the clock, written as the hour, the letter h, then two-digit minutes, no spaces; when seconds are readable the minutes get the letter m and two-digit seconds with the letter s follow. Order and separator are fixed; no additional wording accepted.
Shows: 3h19
